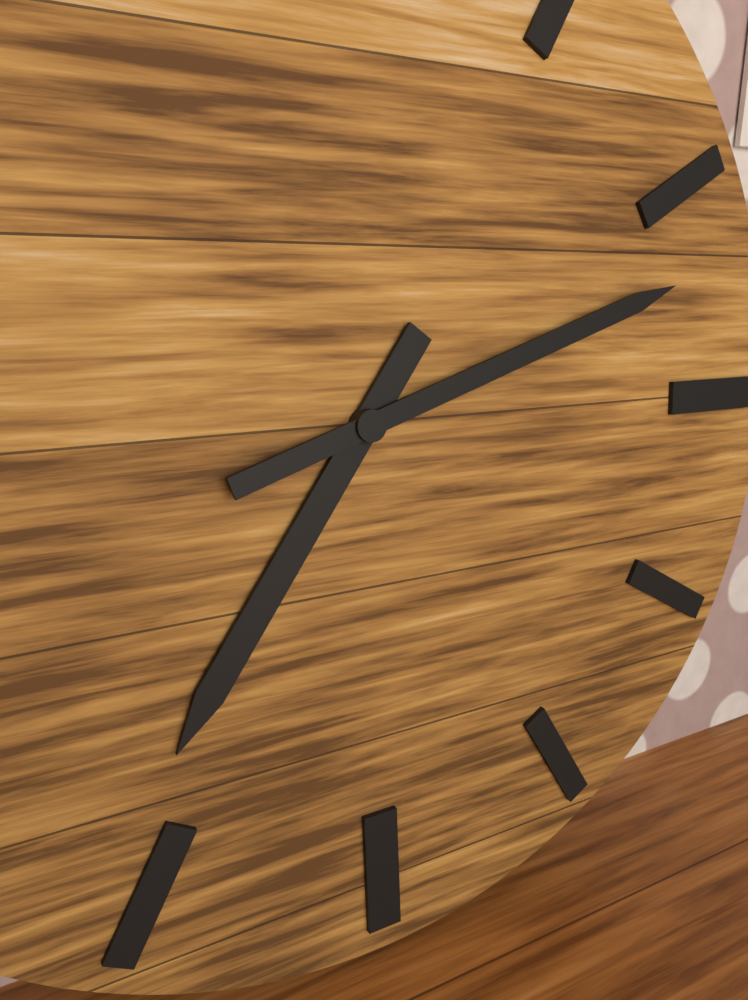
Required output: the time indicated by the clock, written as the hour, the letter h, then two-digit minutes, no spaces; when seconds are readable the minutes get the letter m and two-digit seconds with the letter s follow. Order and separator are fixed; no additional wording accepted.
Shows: 7h12
